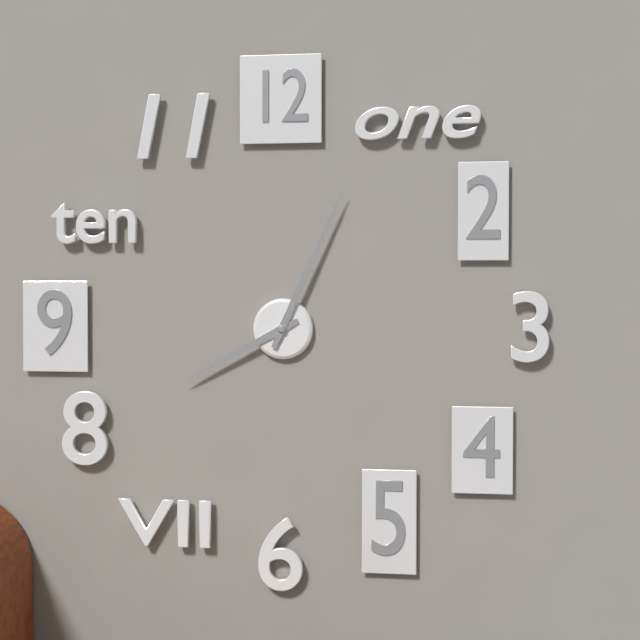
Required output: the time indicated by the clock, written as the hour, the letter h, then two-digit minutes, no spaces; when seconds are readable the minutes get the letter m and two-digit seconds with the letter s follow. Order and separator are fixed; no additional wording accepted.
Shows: 8h04
